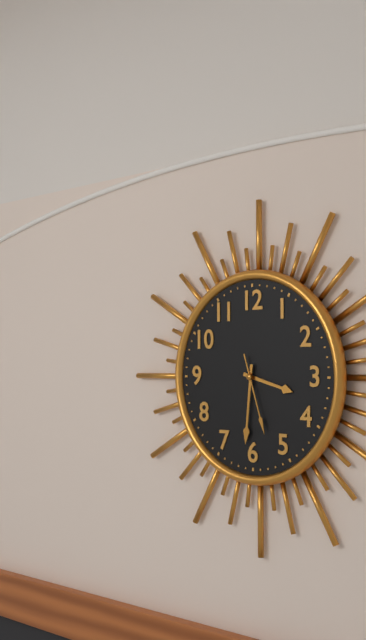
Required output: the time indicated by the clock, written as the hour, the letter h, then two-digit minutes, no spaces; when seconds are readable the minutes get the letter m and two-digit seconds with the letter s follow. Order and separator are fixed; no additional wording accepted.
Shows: 3h31m27s
